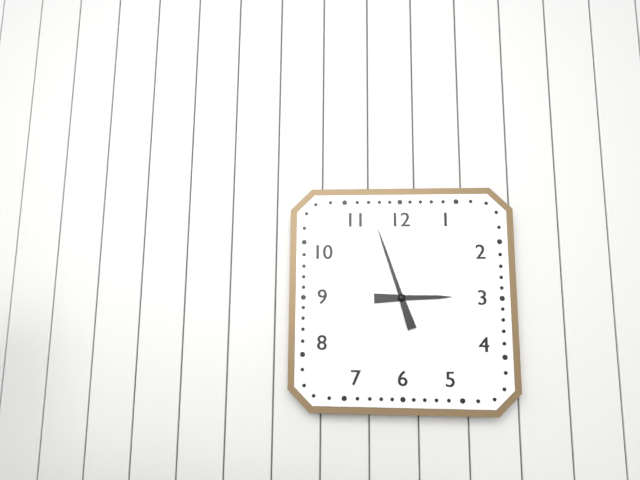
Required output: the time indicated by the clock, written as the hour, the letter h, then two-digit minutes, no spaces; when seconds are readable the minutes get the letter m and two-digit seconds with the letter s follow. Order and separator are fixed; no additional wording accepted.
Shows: 2h57
